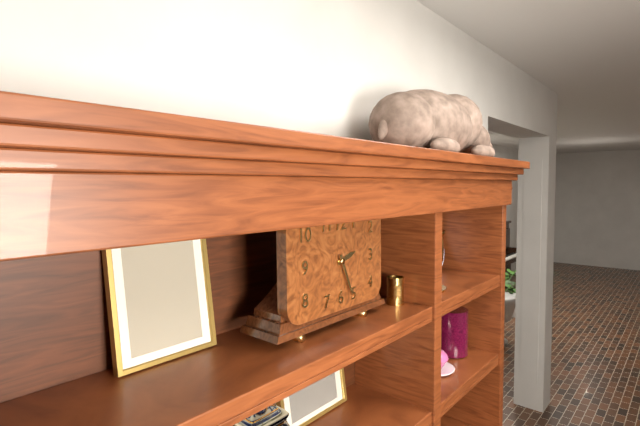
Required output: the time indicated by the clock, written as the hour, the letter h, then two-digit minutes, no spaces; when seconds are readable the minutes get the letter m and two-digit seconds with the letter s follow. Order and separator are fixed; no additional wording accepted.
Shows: 2h26
